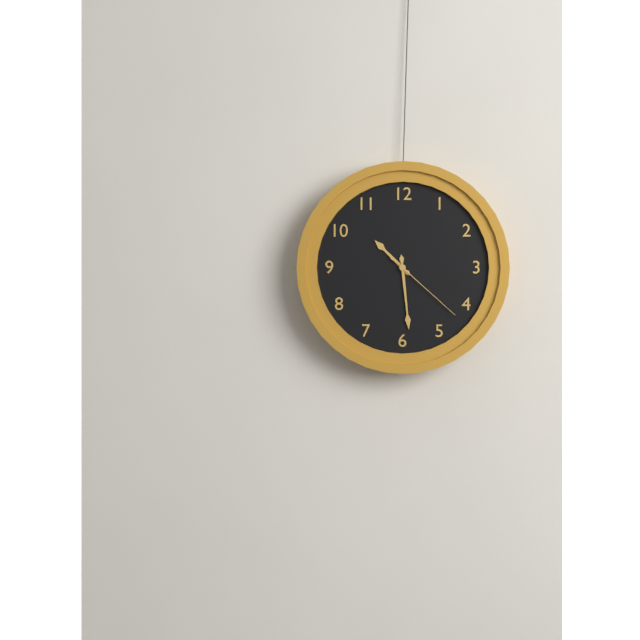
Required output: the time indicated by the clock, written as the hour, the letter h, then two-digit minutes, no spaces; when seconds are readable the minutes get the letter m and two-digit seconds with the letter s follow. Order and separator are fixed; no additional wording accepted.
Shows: 10h29m22s
